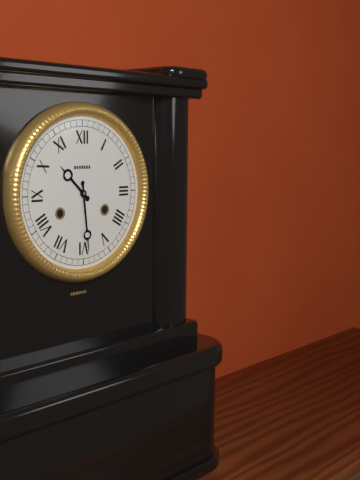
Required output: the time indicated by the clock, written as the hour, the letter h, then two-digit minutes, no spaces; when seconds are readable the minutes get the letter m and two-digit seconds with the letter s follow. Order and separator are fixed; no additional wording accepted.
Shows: 10h29
